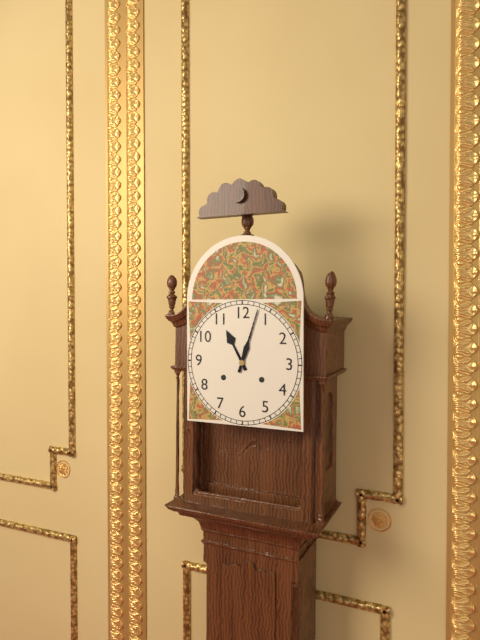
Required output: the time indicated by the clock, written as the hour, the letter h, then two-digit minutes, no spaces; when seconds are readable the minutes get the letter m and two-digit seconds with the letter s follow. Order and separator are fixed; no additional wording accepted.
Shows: 11h03
